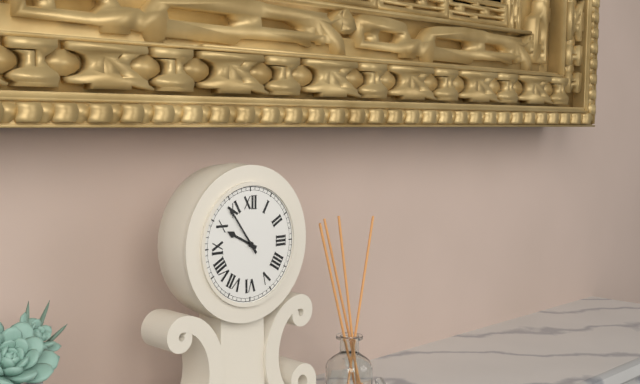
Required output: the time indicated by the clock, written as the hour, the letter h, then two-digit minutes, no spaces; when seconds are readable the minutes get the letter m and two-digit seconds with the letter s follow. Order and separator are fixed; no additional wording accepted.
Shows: 9h54
